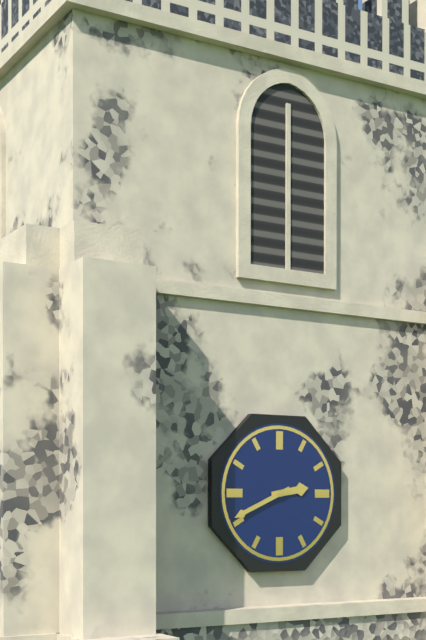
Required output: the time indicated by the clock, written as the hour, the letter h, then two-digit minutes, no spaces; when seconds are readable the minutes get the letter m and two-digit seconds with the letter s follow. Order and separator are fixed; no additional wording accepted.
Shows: 2h41
